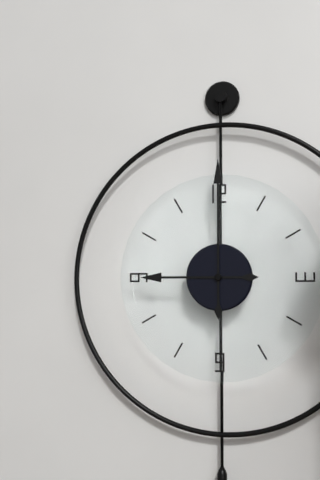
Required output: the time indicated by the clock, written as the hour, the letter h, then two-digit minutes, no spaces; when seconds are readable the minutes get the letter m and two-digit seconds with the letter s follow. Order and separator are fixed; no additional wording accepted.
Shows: 9h00
